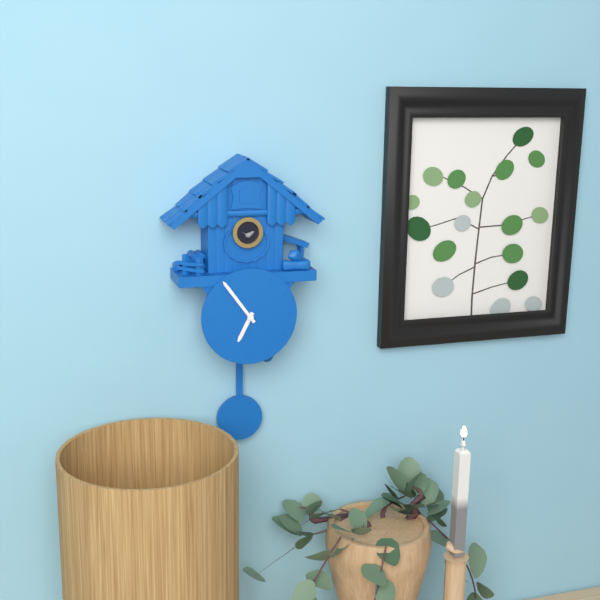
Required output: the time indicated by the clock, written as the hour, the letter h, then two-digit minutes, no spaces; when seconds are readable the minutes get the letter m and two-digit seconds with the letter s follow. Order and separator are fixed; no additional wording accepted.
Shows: 6h54
